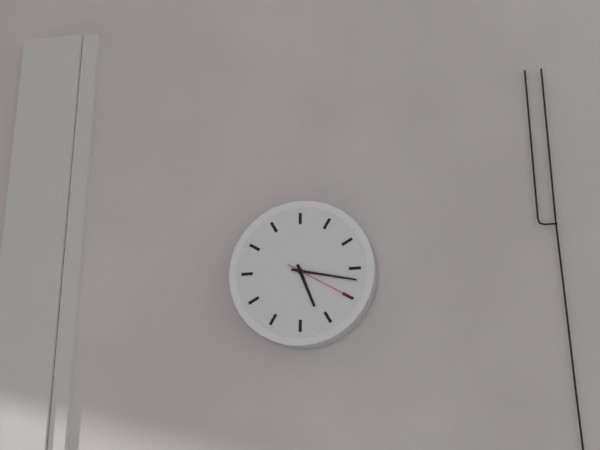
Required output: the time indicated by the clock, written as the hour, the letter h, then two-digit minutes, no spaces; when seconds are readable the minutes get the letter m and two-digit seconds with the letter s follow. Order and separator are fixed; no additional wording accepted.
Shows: 5h17m20s
